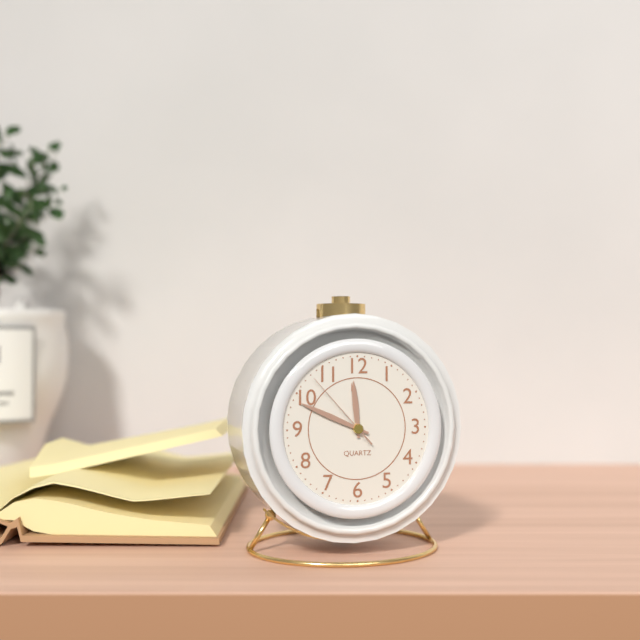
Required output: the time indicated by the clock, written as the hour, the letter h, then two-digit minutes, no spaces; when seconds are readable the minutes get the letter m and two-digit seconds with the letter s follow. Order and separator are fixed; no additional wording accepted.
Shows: 11h49m53s
